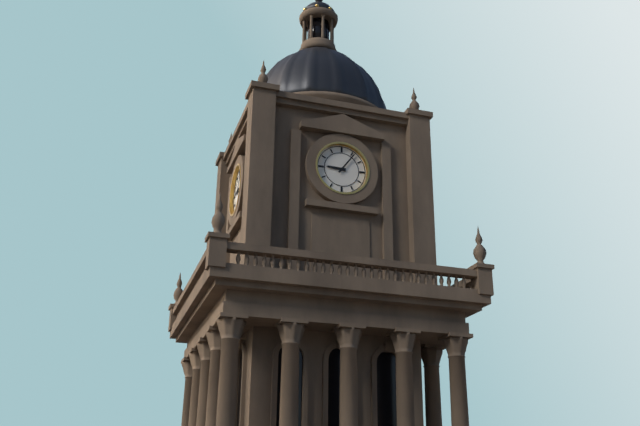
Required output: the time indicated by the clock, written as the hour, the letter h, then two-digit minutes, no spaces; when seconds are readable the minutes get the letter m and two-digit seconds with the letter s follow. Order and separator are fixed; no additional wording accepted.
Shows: 9h06
